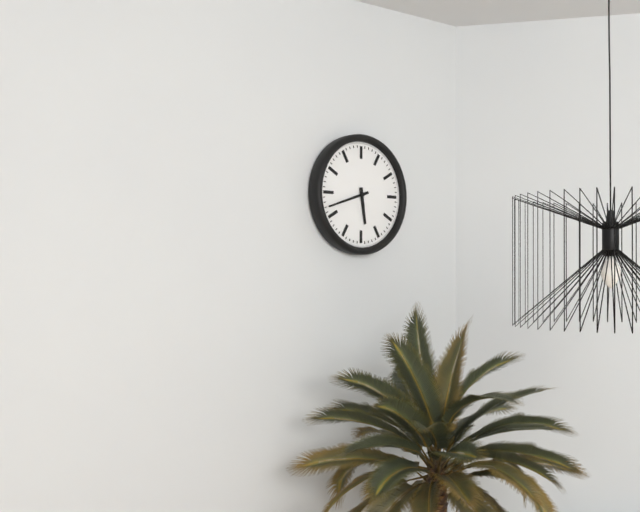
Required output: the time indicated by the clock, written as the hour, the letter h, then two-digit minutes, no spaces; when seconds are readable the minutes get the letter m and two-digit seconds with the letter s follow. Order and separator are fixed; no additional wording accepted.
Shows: 5h42
